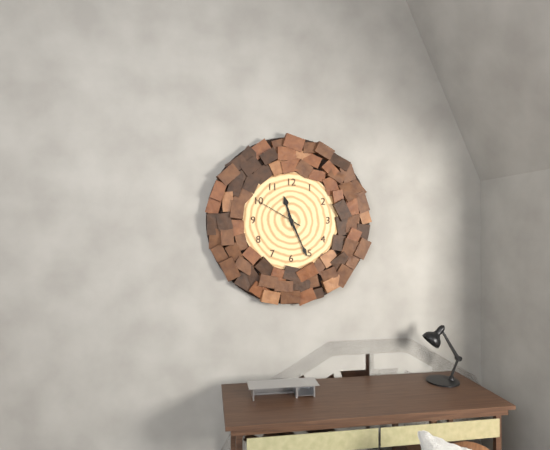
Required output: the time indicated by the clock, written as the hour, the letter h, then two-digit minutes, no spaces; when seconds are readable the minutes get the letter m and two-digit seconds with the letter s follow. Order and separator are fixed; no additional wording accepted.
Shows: 11h26m50s
